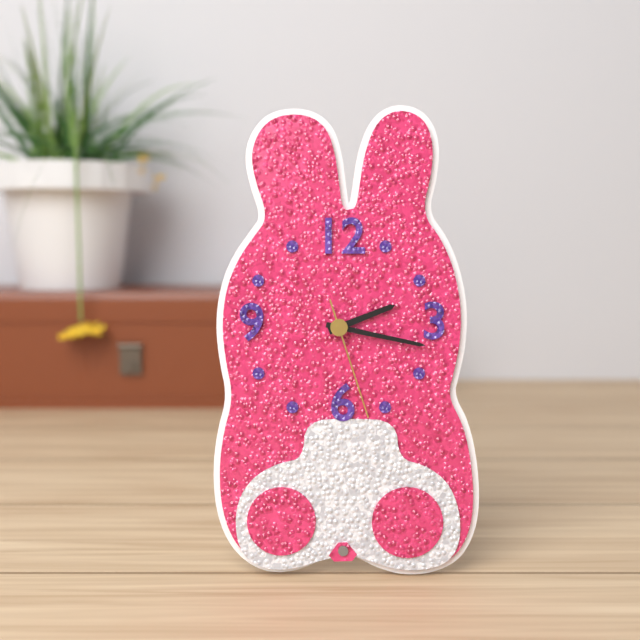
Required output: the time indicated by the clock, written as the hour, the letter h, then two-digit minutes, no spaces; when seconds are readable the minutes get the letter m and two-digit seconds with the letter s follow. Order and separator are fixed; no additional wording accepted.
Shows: 2h17m27s
